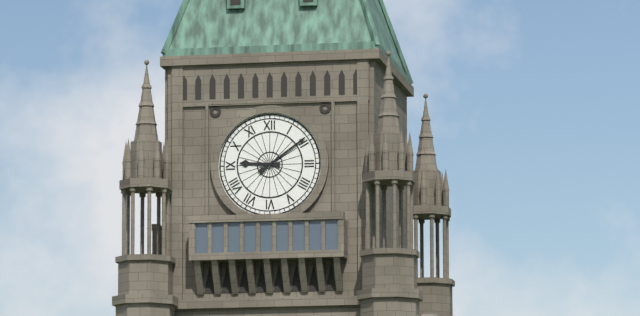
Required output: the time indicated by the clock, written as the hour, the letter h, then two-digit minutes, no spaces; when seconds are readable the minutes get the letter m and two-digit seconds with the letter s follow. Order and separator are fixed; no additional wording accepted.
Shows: 9h09
